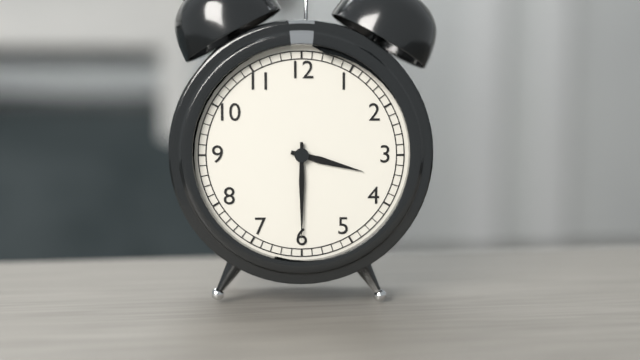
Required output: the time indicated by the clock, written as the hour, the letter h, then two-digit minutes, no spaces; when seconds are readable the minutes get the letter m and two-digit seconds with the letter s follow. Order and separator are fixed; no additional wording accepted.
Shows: 3h30
